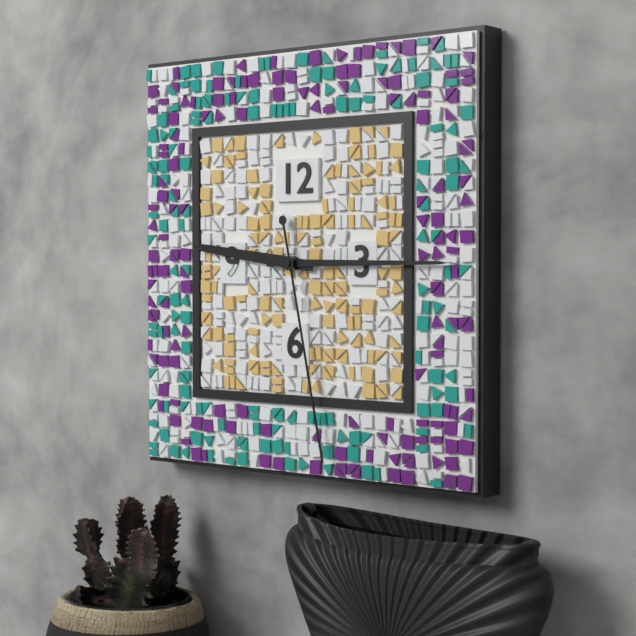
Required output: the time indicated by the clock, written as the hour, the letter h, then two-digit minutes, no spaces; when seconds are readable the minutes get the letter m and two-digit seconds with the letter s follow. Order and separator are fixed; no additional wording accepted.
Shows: 9h15m28s
